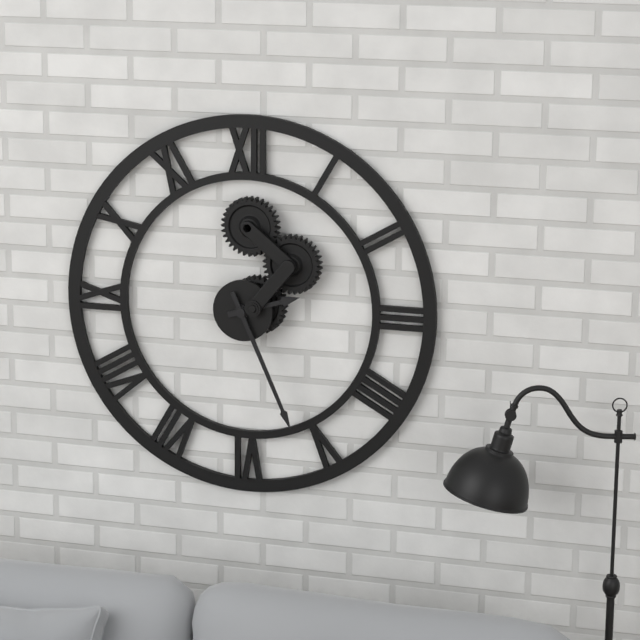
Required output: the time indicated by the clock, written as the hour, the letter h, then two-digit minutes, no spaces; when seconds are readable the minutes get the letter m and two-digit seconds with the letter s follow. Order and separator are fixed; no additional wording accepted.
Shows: 2h26
